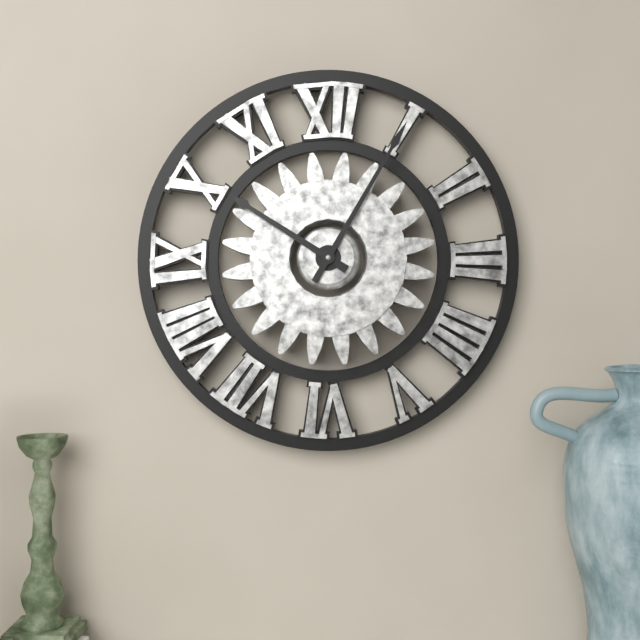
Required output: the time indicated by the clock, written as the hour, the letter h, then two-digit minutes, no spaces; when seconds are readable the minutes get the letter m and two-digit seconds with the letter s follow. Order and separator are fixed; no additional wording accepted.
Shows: 10h05
